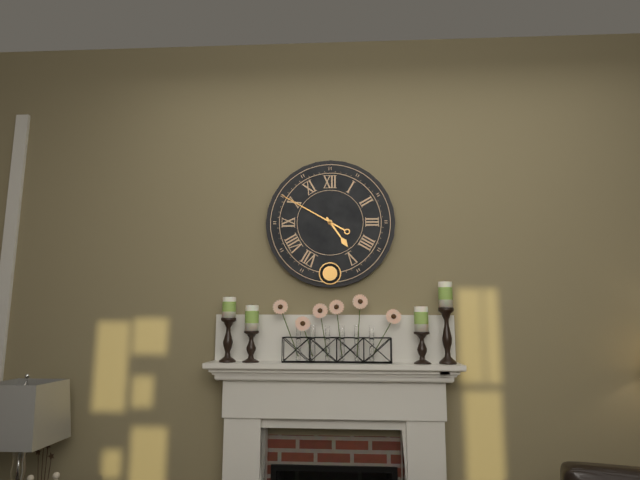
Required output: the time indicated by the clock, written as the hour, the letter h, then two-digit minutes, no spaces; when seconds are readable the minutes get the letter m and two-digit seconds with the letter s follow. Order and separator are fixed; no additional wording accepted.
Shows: 4h50
